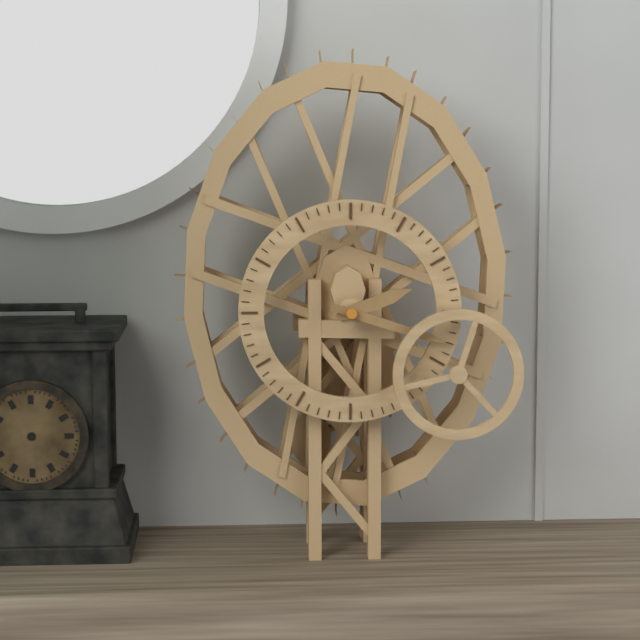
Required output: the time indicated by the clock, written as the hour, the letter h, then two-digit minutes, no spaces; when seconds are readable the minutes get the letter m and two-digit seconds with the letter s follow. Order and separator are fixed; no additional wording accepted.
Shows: 2h18
